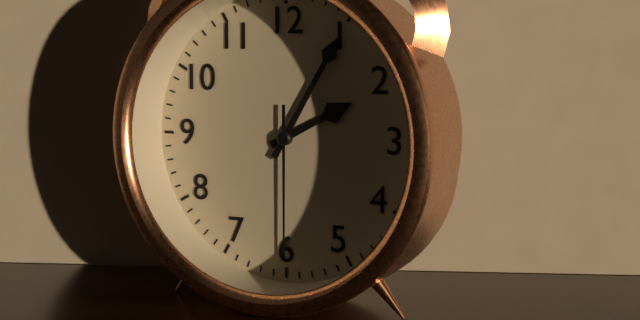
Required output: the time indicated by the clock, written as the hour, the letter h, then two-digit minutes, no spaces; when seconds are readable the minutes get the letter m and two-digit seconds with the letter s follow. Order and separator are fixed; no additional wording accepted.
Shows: 2h05m30s
